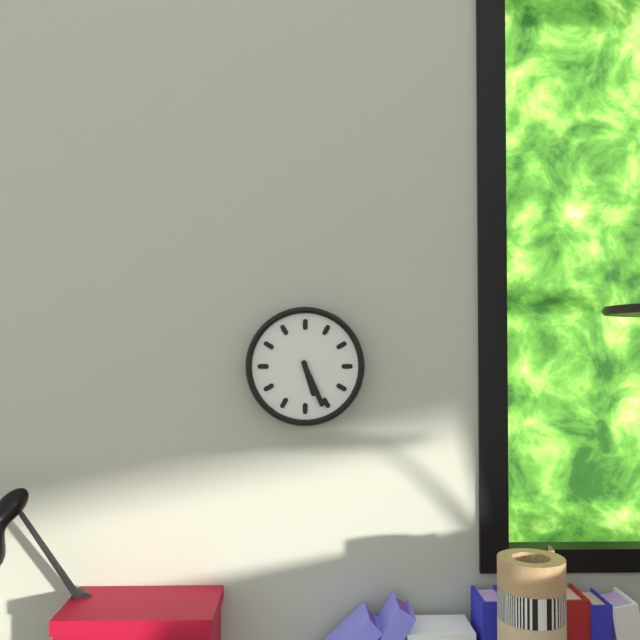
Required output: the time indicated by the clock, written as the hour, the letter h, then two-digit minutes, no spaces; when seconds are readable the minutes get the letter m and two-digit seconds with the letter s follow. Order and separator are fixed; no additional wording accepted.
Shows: 5h26
